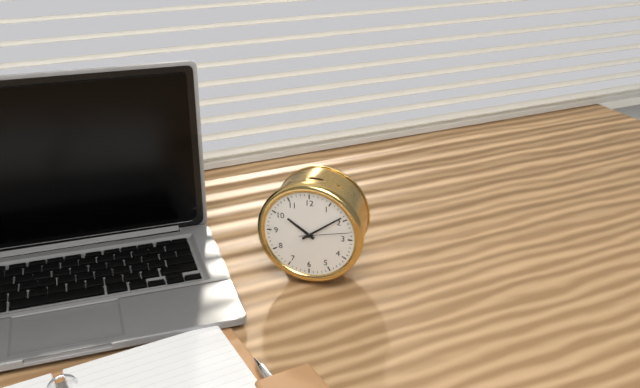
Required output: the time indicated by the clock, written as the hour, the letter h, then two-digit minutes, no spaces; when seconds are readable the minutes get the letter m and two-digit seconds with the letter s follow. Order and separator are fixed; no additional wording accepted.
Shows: 10h09m13s
